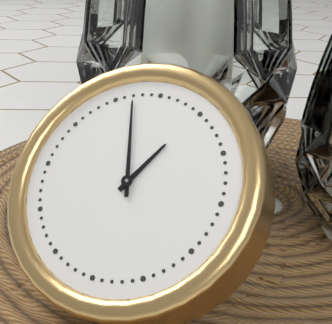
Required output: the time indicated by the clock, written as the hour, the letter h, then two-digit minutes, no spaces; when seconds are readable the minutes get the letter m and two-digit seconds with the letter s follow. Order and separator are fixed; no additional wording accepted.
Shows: 12h57
